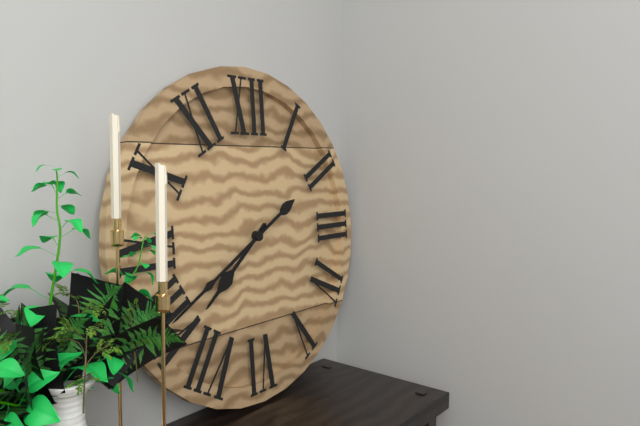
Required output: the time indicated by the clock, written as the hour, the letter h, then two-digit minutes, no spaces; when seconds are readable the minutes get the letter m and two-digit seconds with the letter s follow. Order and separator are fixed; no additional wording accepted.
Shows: 7h40
